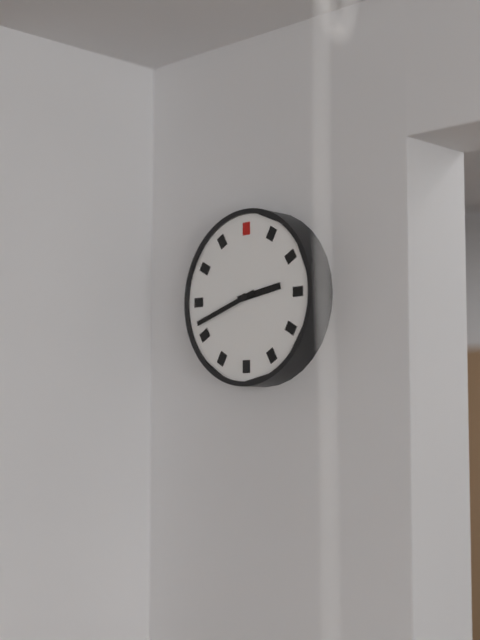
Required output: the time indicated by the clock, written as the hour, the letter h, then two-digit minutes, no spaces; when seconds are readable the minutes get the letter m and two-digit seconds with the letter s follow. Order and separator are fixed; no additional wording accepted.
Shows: 2h42
